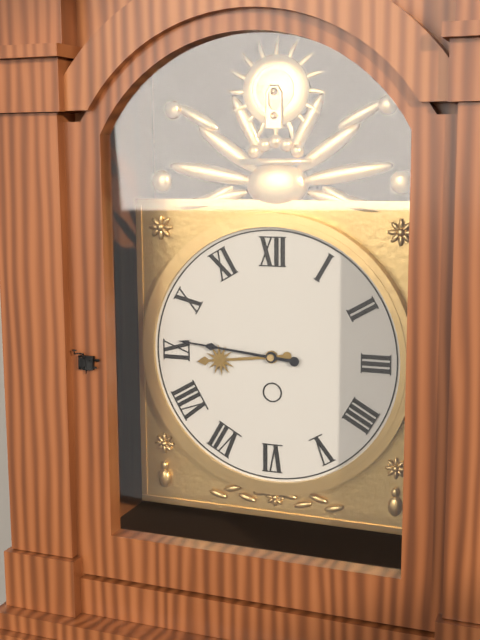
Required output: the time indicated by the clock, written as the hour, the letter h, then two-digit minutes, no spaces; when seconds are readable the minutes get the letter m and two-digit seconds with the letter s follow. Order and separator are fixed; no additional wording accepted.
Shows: 8h46
